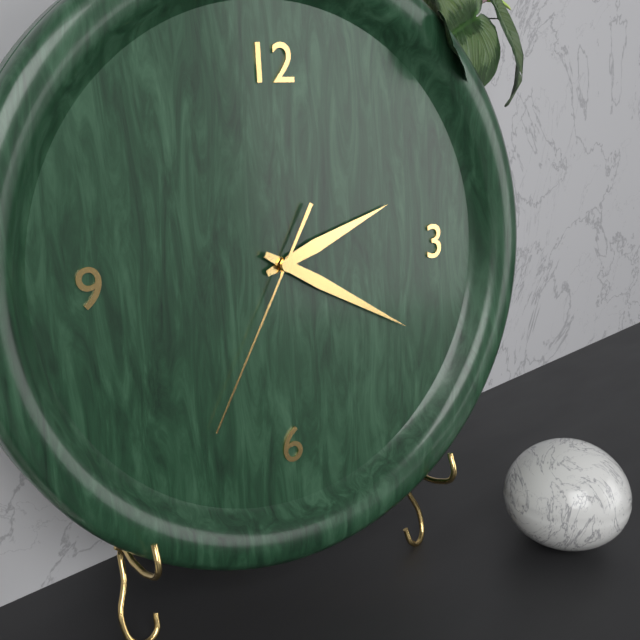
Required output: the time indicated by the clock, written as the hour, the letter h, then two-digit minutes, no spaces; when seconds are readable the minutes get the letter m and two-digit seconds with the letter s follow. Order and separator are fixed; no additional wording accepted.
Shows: 2h20m35s
